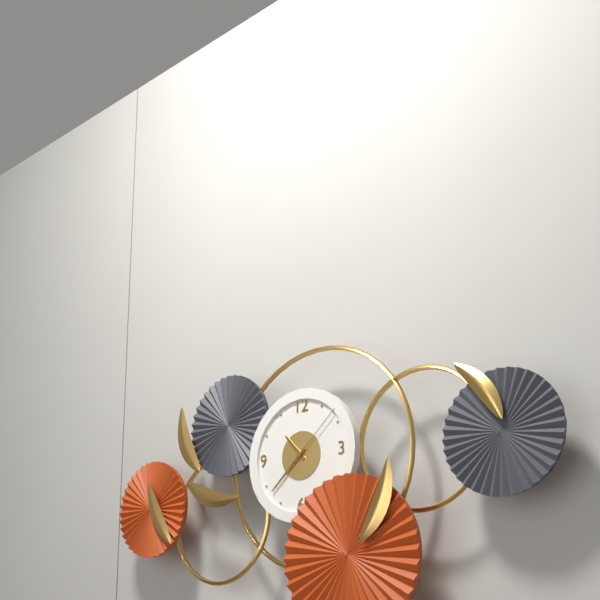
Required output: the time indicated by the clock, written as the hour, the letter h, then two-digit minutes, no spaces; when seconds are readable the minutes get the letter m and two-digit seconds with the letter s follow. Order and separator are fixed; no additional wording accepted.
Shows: 10h38m08s
